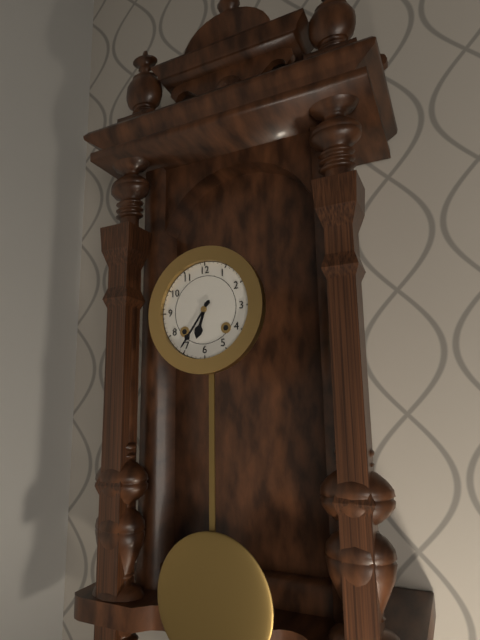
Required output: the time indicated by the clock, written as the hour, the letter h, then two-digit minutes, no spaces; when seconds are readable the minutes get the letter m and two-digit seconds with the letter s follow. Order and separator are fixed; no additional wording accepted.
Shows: 6h36
